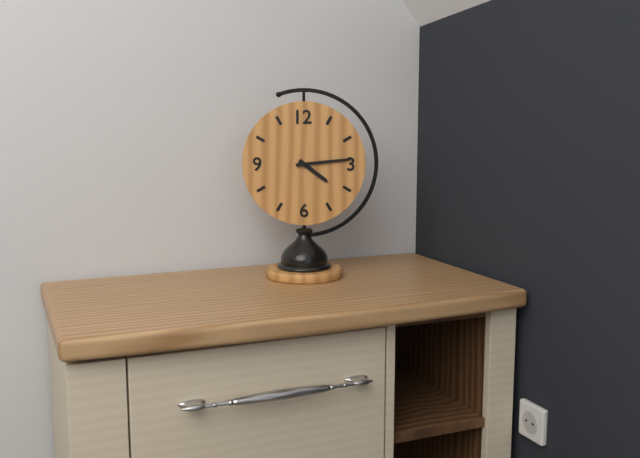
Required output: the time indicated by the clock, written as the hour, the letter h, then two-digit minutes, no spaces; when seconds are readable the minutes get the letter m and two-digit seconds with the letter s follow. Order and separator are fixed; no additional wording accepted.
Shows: 4h14
